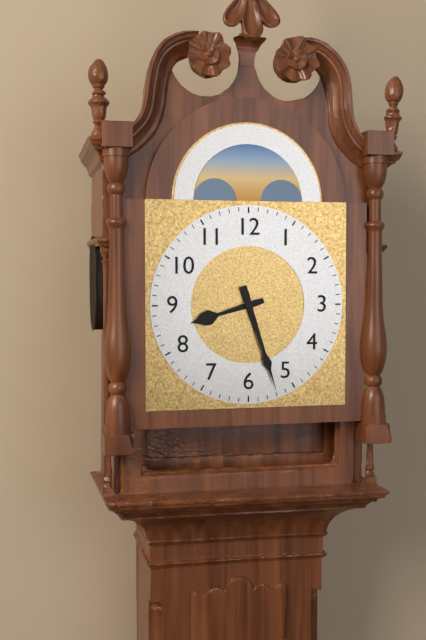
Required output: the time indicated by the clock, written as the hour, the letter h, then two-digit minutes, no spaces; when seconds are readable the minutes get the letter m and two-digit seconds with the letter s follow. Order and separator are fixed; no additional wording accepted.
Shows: 8h27
